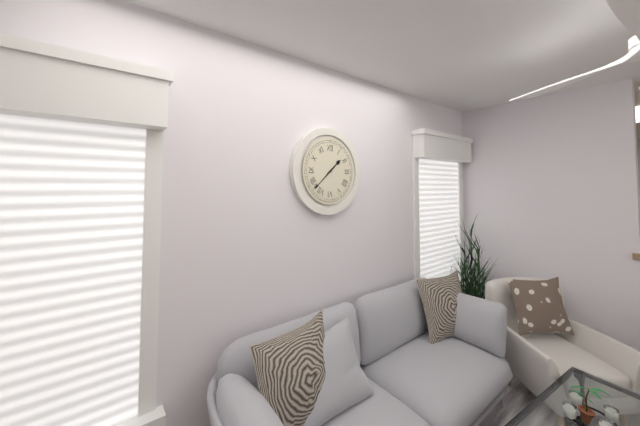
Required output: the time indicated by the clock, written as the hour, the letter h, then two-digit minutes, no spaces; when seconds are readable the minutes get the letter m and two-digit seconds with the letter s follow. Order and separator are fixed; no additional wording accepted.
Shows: 1h38
